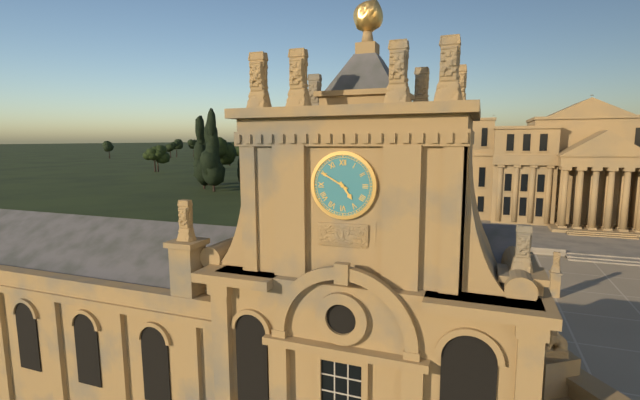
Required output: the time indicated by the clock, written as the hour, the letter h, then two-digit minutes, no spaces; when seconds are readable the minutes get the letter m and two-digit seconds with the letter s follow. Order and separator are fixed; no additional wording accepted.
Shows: 4h50
